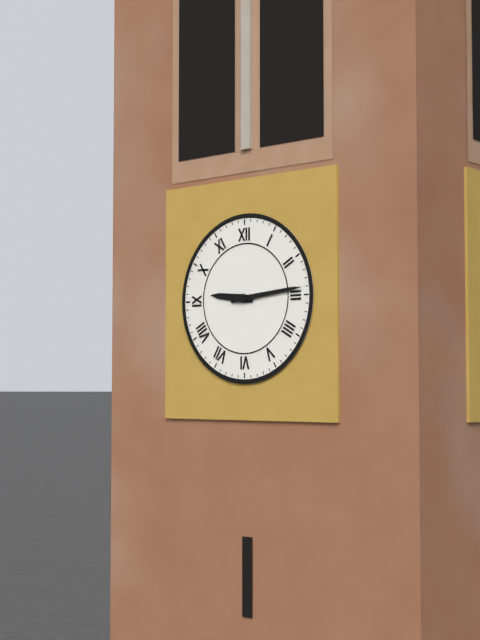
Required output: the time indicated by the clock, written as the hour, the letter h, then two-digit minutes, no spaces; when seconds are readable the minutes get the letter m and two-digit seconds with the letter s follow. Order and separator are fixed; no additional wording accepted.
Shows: 9h14
